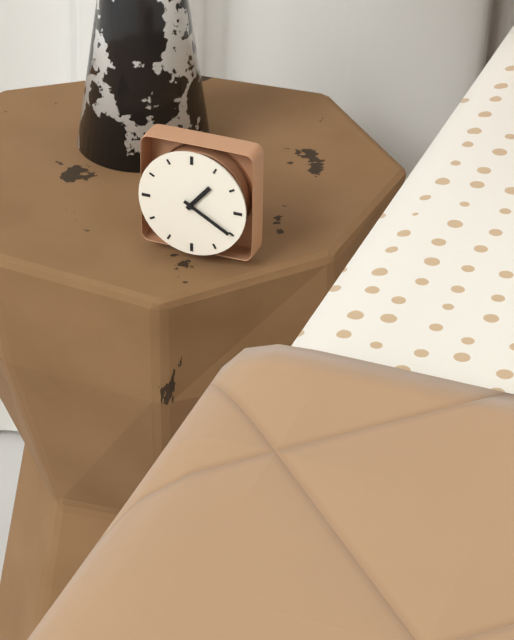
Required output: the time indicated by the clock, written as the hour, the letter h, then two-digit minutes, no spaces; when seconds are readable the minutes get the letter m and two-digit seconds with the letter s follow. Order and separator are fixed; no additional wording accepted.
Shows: 1h20
